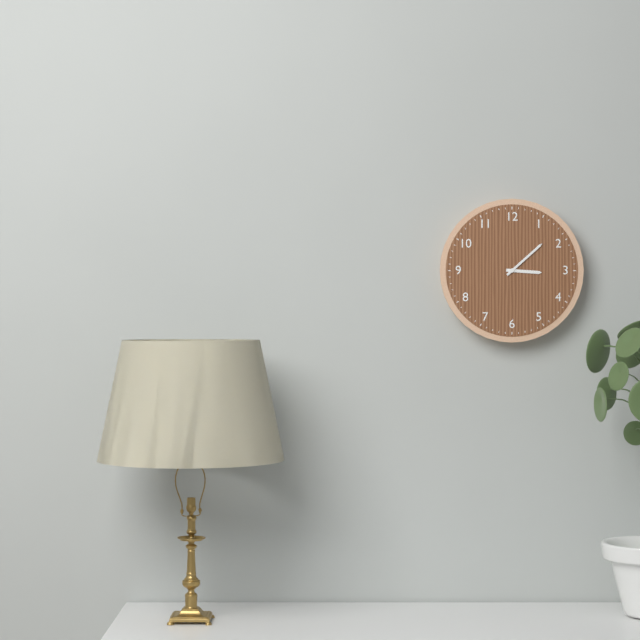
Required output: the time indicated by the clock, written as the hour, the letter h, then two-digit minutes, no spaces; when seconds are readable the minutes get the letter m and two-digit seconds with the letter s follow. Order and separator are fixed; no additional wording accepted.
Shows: 3h08
